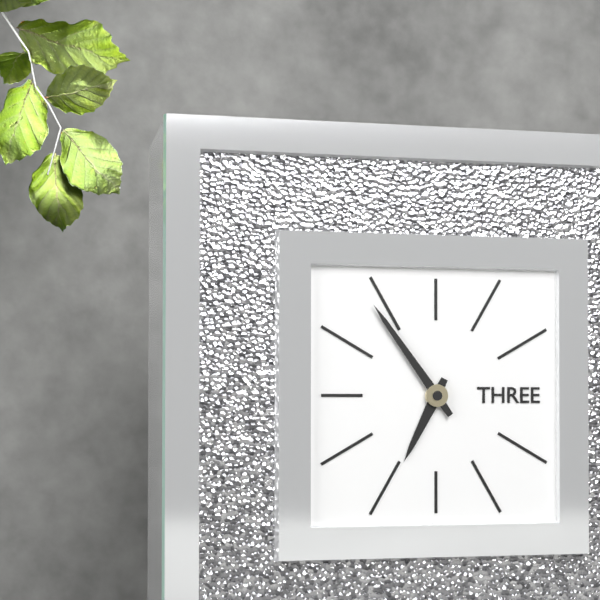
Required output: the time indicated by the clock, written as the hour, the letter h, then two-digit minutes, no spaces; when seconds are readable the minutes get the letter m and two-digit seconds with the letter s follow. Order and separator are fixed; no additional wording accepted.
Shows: 6h54
